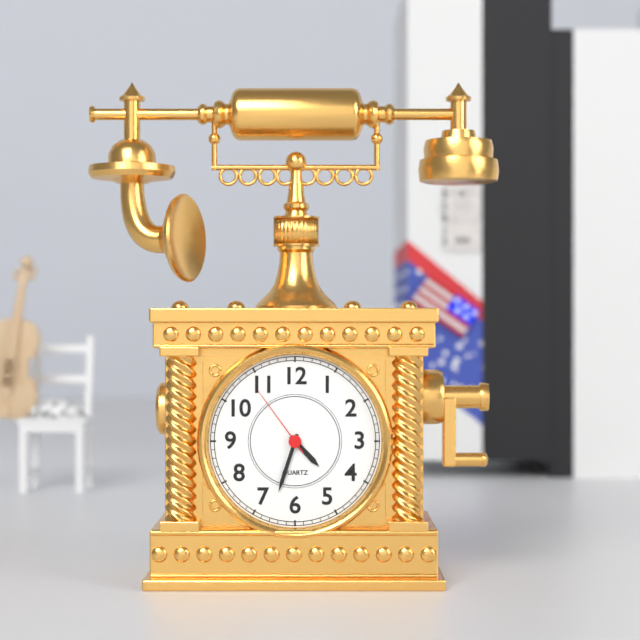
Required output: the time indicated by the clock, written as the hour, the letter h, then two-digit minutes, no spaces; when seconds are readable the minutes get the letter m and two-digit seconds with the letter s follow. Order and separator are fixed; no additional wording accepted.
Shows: 4h33m54s
